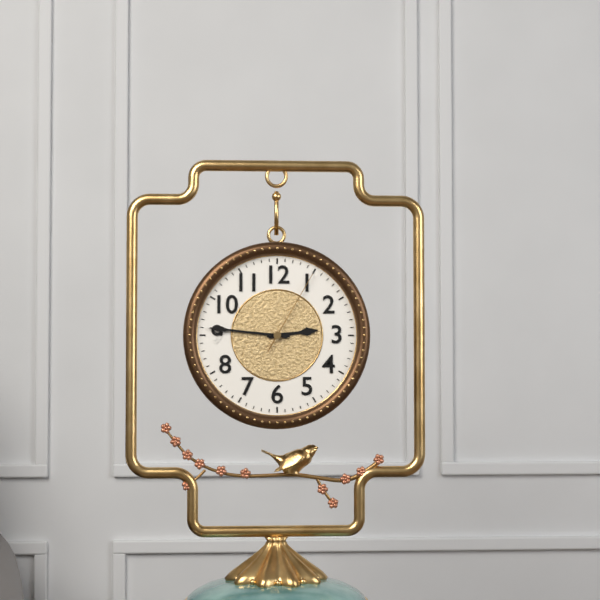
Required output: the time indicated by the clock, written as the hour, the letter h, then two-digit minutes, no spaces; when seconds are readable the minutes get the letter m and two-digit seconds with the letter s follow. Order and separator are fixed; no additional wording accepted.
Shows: 2h46m05s
